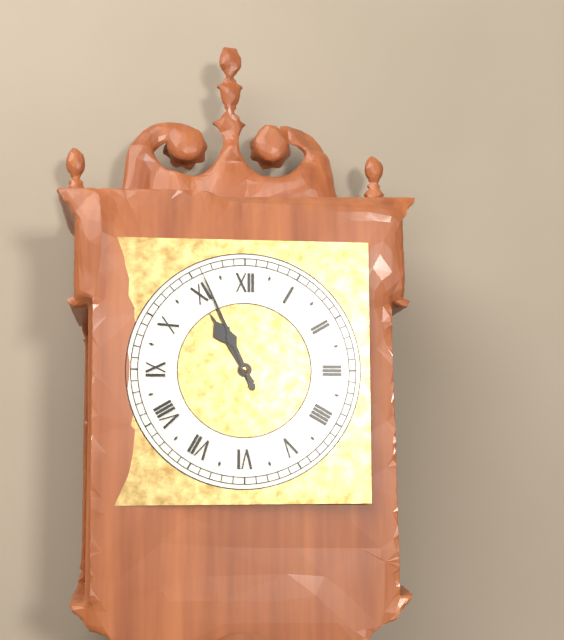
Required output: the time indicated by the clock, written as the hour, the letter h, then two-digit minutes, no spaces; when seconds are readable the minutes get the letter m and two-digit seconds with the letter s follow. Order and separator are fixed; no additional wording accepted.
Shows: 10h56
